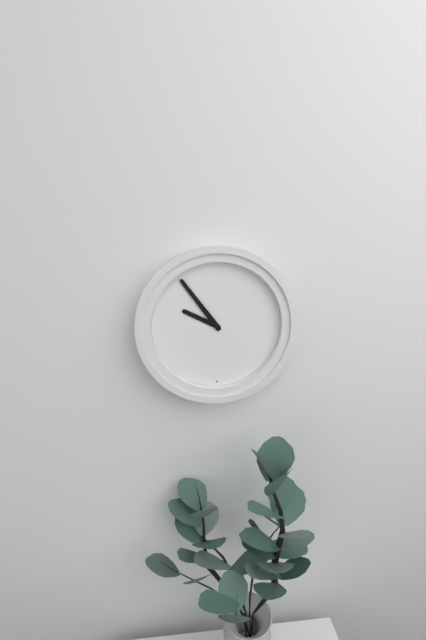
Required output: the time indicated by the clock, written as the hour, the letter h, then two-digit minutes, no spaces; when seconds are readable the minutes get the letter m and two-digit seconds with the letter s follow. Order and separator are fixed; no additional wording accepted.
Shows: 9h54
